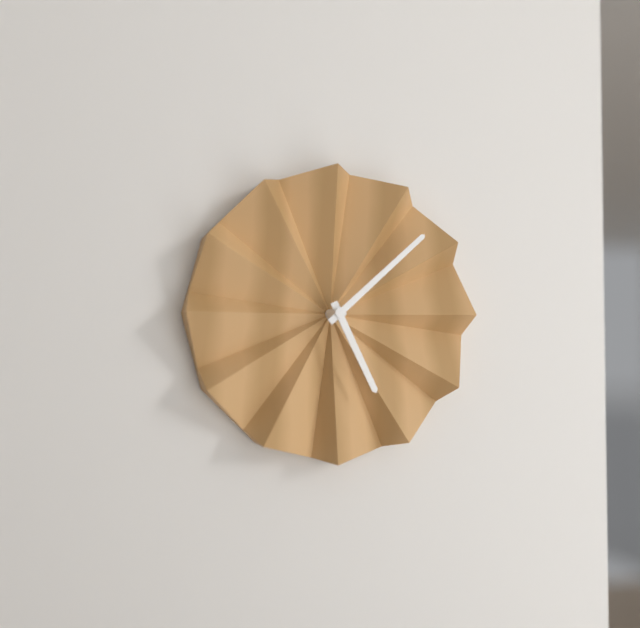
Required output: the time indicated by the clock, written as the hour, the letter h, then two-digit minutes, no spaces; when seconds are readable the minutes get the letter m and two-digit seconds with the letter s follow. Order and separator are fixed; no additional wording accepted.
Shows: 5h08
